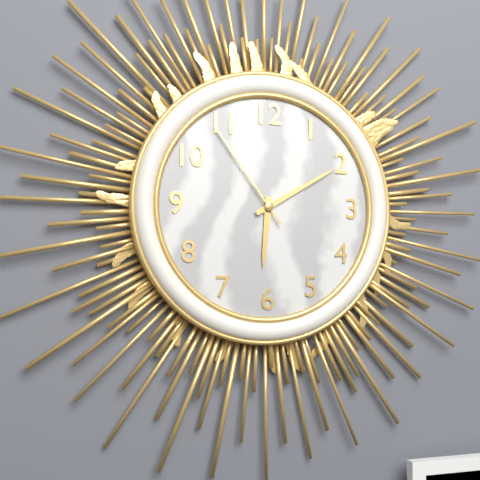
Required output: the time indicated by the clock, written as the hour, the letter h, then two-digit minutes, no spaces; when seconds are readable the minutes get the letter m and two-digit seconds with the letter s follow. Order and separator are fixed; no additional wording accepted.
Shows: 6h10m54s
